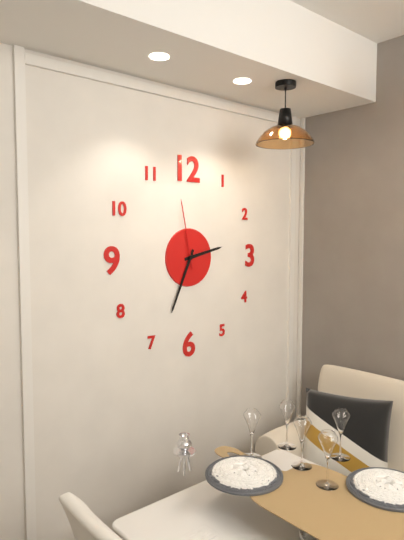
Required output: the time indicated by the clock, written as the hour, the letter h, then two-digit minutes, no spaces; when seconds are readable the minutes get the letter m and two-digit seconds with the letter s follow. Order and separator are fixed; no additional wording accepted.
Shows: 2h34m58s
